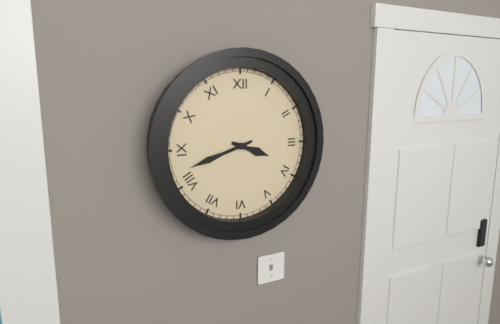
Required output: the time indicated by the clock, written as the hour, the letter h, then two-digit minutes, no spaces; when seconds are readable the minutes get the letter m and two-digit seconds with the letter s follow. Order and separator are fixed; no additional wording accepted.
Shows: 3h42
